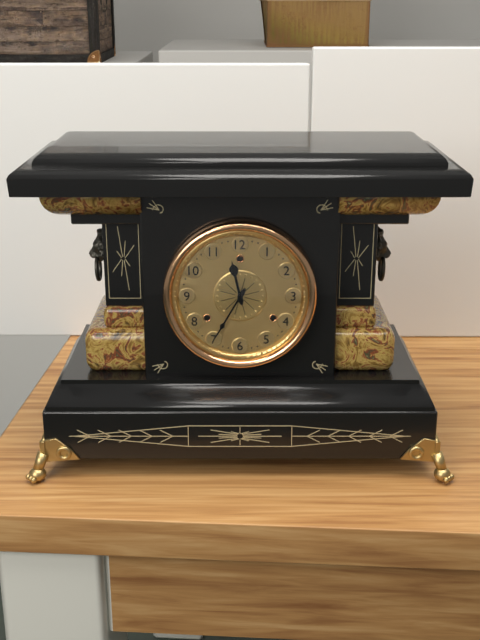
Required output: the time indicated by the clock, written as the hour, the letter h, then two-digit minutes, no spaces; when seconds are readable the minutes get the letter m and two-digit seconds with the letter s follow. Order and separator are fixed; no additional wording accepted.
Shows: 11h35
